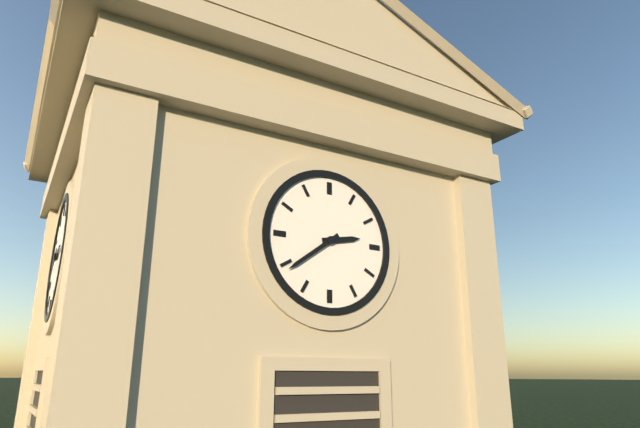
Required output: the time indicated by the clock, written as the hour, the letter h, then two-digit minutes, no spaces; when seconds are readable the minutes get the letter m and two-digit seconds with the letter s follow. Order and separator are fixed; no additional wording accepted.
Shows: 2h39
